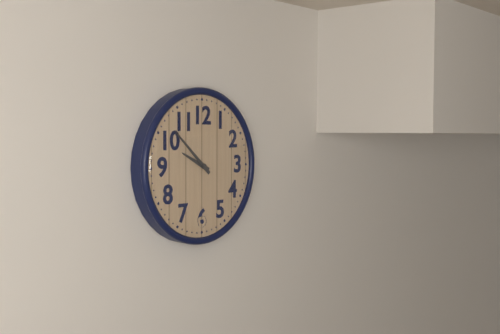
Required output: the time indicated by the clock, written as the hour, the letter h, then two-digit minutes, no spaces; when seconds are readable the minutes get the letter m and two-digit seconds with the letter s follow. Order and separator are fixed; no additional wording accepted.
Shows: 9h52
